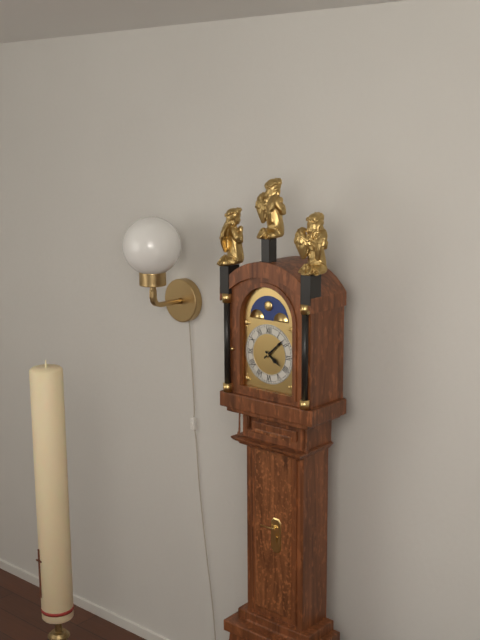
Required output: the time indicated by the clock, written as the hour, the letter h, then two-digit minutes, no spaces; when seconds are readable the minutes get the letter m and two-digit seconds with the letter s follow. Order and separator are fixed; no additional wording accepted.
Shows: 4h08
